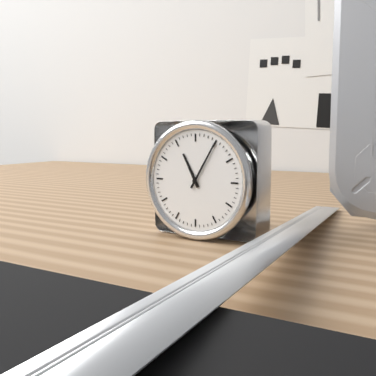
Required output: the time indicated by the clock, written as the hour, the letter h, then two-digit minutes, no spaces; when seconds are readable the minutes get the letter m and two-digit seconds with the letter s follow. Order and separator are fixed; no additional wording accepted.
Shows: 11h05
